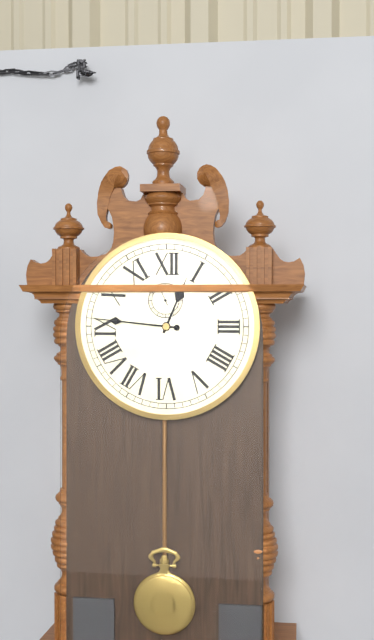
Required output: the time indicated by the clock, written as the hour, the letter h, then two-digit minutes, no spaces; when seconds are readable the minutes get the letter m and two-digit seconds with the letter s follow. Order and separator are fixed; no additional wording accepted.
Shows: 12h46
